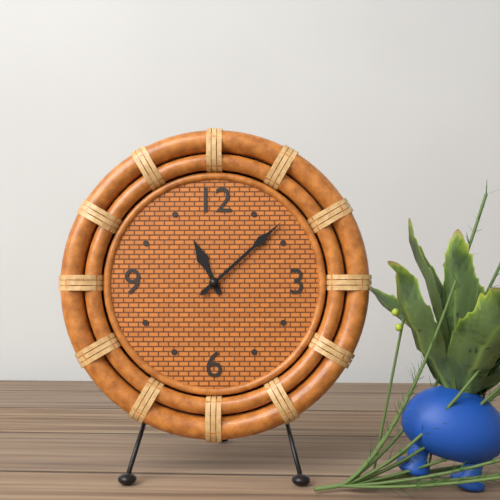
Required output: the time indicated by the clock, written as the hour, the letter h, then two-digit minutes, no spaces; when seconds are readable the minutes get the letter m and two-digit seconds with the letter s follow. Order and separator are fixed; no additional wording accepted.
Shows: 11h08
